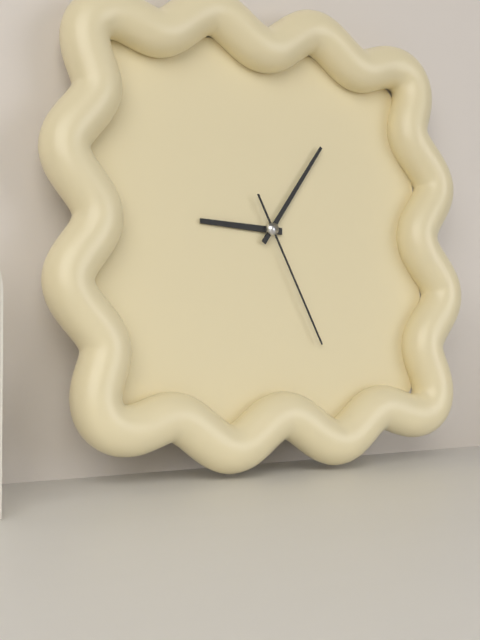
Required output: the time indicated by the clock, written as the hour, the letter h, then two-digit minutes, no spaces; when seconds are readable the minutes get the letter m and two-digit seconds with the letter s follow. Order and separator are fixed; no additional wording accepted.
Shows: 9h06m26s
